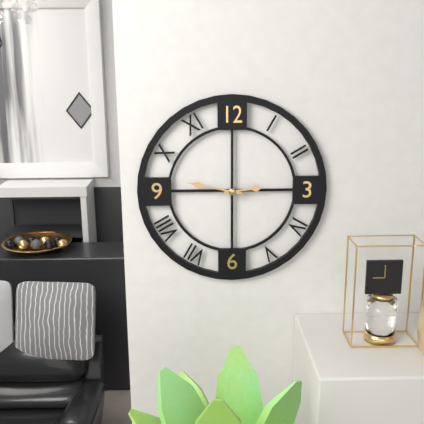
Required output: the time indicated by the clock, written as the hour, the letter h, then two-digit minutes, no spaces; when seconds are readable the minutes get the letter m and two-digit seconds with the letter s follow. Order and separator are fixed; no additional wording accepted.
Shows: 2h47
